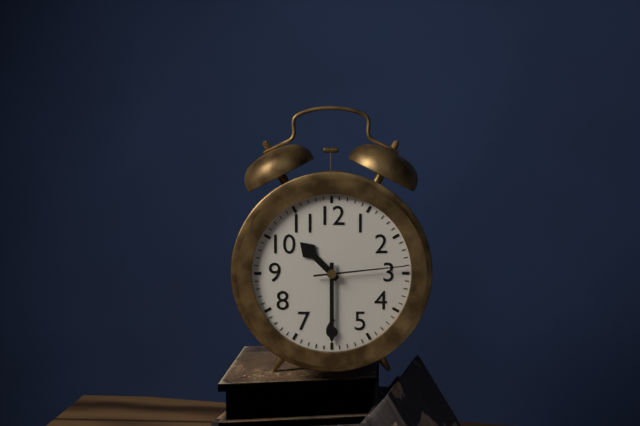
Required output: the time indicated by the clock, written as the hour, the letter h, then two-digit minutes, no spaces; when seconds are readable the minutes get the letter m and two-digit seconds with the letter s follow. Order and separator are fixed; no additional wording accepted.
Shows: 10h30m14s
